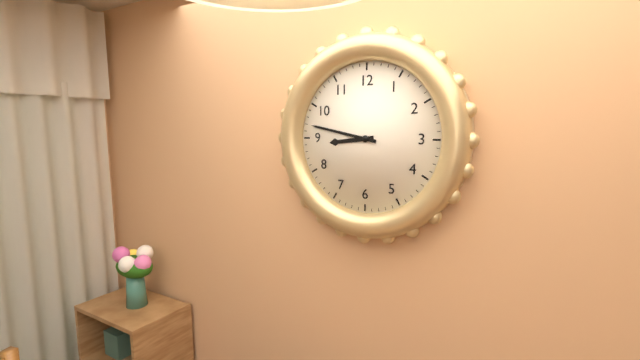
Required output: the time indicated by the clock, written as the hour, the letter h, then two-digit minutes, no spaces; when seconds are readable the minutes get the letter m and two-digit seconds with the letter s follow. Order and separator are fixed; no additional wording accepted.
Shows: 8h47
